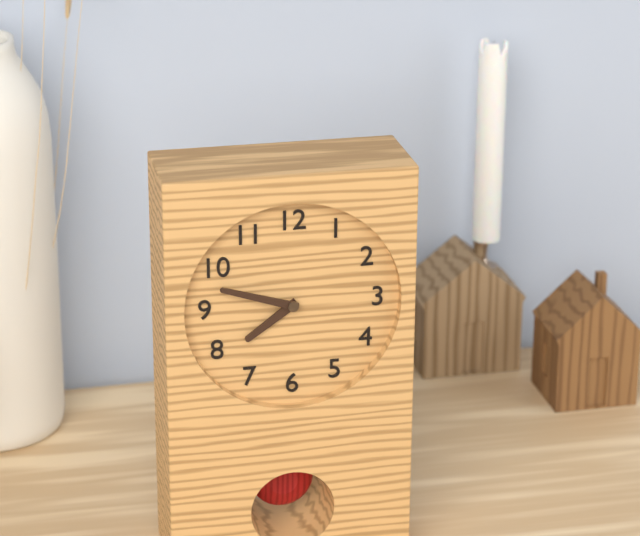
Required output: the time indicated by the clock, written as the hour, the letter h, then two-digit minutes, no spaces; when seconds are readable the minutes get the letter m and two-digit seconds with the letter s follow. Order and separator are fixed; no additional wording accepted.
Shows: 7h48
